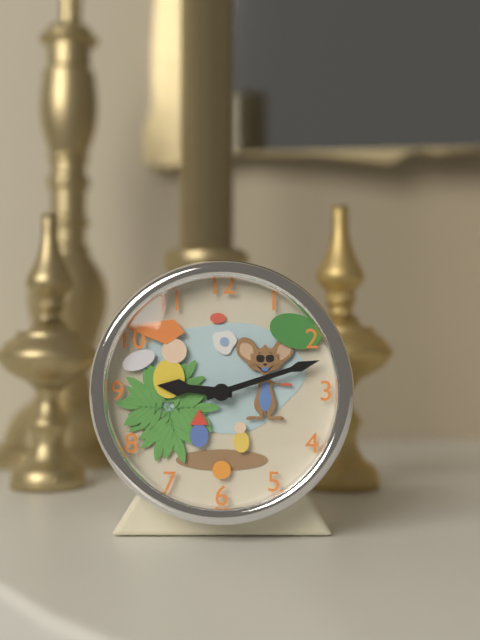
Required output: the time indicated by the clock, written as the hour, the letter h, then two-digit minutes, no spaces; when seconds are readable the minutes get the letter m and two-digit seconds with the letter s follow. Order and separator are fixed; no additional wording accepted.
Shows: 9h12
